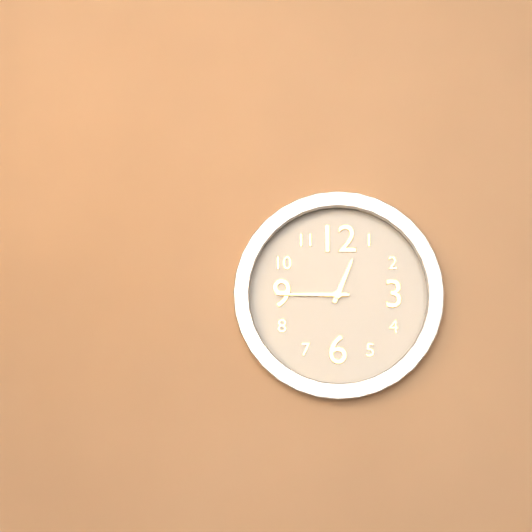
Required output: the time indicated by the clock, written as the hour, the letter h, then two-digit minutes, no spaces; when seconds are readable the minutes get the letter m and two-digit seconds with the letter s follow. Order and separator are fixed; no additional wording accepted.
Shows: 12h45
